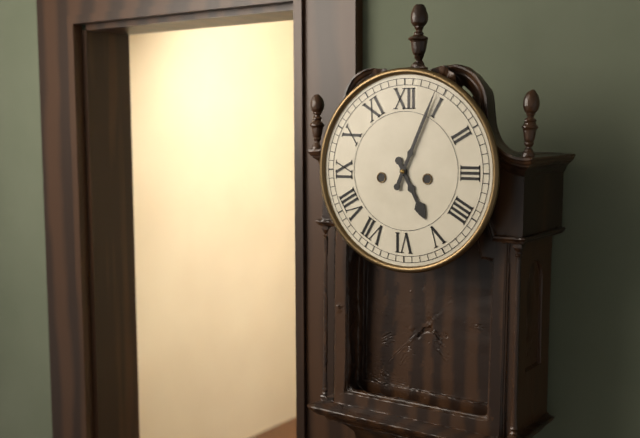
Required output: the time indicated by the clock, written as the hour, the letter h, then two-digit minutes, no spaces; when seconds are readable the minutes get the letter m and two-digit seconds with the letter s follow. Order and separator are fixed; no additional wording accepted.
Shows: 5h04
